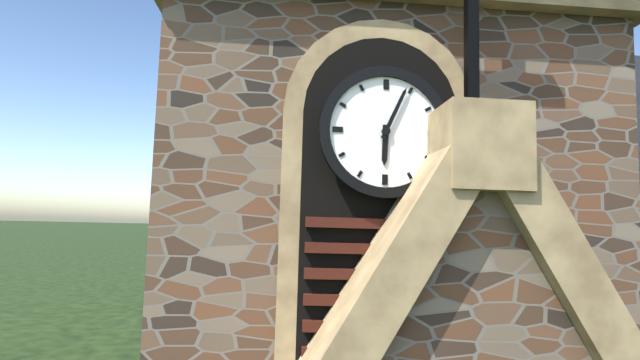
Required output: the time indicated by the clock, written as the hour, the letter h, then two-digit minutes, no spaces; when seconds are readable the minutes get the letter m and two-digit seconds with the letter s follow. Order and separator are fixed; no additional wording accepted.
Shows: 6h04
